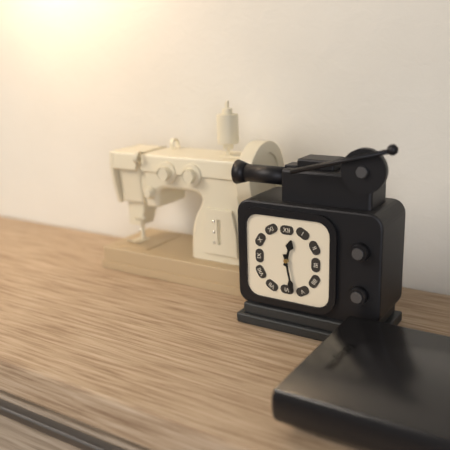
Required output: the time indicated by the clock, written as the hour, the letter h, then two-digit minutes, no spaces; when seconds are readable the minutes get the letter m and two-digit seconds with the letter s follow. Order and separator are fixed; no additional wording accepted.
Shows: 12h28
